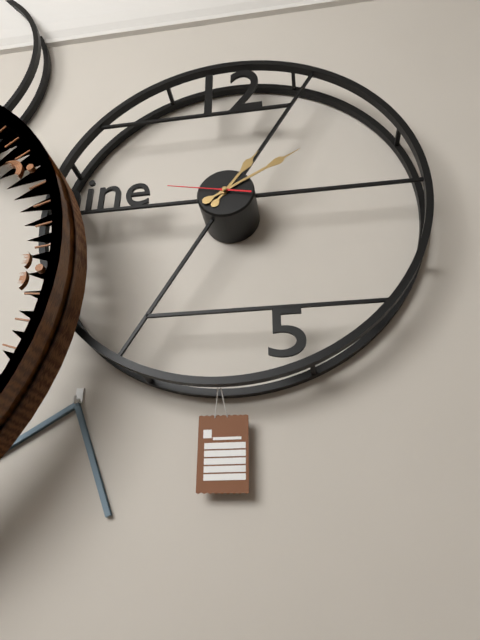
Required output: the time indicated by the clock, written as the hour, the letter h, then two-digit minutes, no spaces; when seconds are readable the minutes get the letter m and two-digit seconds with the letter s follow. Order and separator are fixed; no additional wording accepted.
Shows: 1h10m47s
